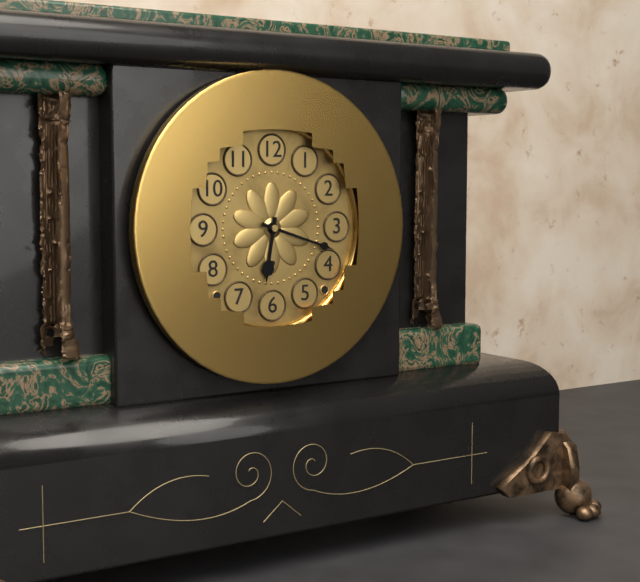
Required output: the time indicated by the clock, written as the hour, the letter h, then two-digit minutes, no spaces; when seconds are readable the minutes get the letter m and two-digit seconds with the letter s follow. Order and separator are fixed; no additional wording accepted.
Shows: 6h18
